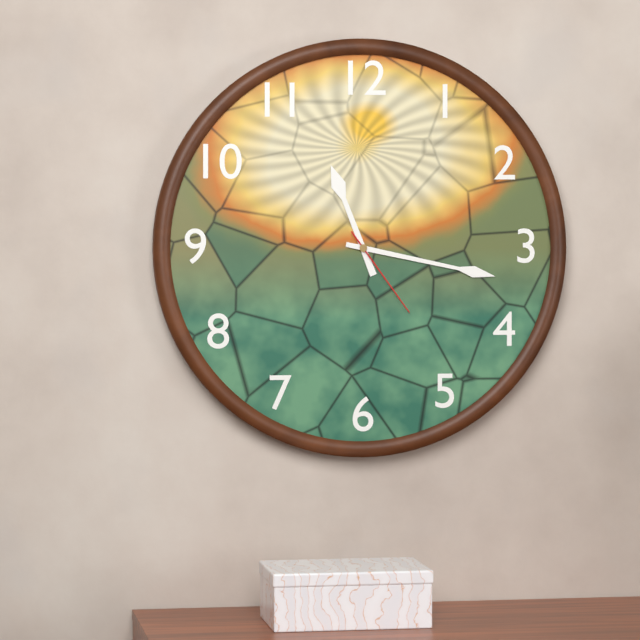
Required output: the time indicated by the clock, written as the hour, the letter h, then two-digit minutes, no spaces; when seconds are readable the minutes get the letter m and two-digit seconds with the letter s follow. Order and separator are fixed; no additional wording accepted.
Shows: 11h17m24s
